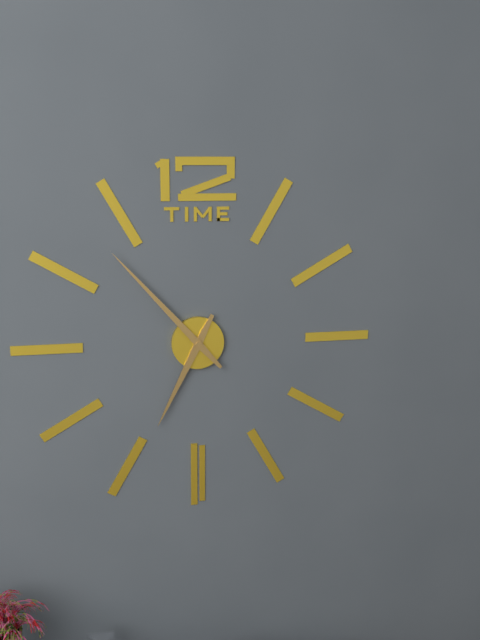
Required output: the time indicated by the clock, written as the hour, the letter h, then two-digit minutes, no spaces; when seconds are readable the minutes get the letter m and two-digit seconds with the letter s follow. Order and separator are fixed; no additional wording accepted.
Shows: 6h53
